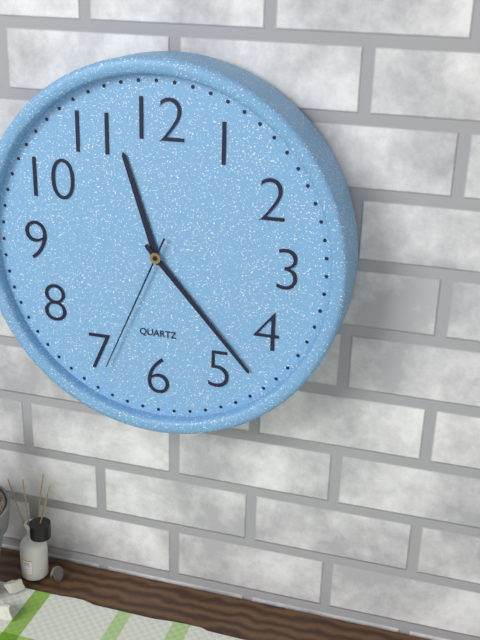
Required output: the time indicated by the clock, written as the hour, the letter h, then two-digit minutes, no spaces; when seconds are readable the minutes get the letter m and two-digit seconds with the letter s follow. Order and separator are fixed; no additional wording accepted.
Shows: 11h23m34s
